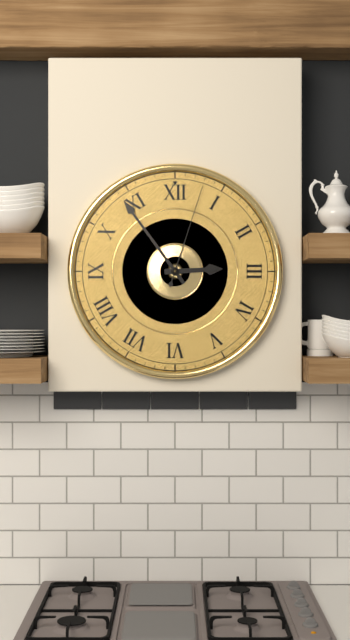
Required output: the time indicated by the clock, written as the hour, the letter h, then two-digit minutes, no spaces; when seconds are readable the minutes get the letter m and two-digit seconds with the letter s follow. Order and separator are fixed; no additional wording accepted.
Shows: 2h54m03s
